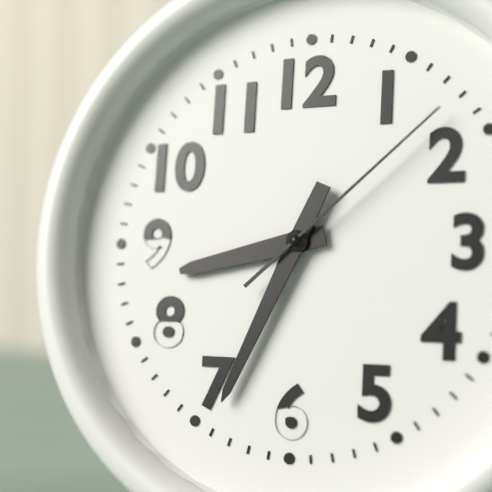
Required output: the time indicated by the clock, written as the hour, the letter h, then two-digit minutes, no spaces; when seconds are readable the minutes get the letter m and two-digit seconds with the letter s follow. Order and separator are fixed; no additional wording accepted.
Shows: 8h34m08s
